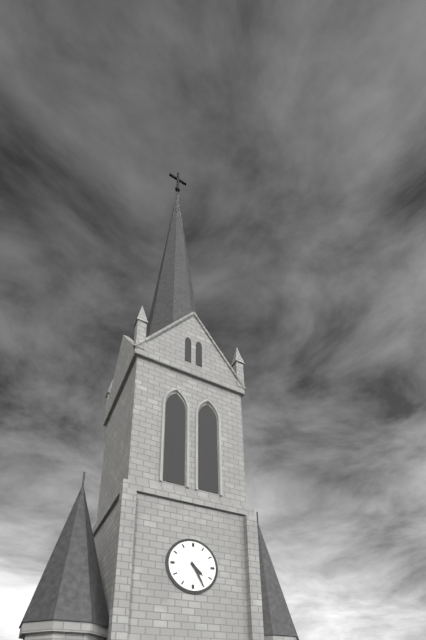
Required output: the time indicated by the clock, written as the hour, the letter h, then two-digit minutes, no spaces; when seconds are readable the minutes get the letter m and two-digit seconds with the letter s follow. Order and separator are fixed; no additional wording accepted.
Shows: 4h25
